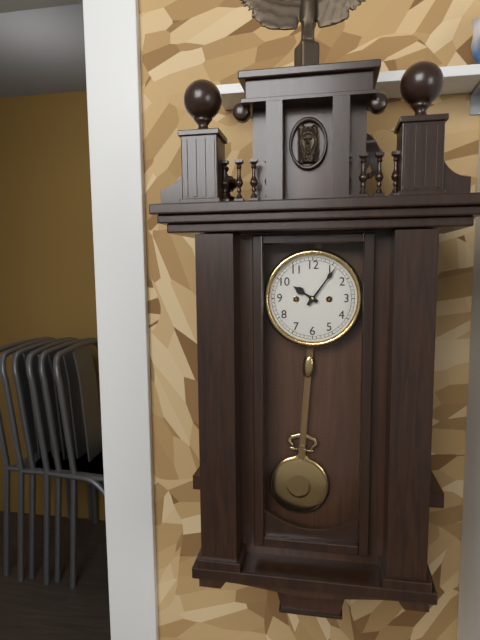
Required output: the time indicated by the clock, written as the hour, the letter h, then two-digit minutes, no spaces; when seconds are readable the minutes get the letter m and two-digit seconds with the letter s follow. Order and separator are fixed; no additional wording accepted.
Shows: 10h06
